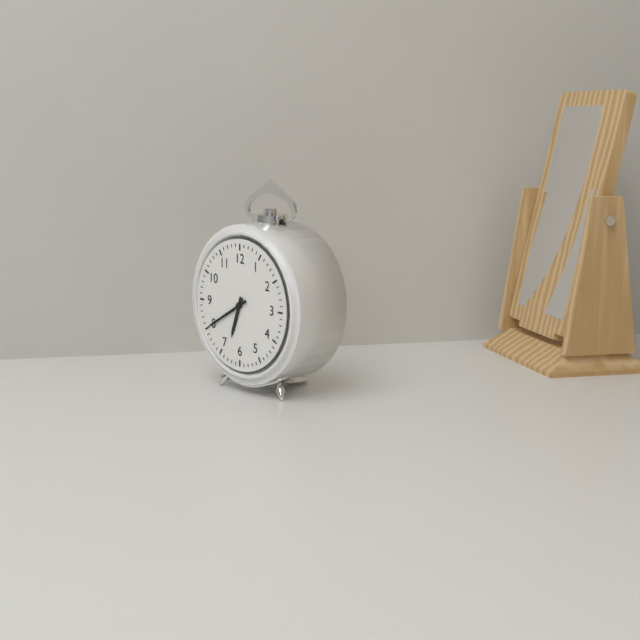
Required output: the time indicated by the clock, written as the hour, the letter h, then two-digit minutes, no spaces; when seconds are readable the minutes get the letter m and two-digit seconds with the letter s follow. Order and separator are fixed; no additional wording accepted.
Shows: 6h40
